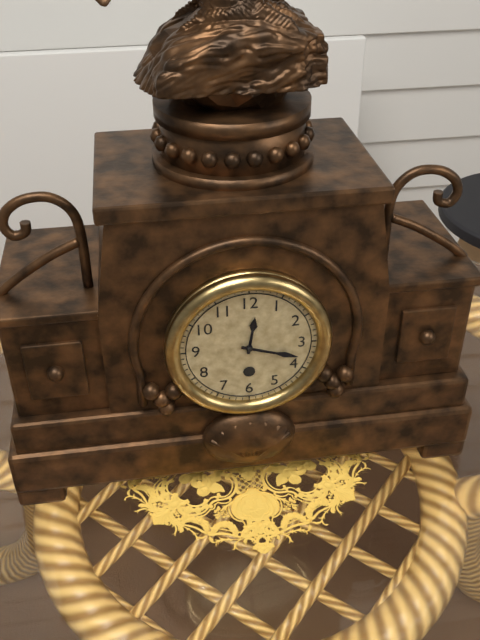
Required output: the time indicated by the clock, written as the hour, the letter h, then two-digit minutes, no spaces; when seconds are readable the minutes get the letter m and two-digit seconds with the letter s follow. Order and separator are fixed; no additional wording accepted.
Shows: 12h18
